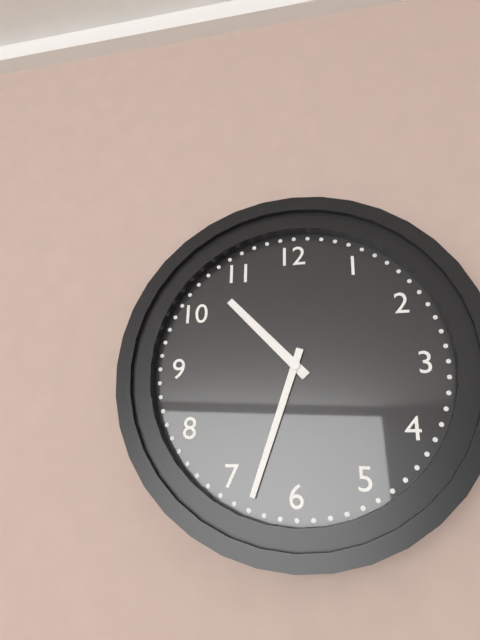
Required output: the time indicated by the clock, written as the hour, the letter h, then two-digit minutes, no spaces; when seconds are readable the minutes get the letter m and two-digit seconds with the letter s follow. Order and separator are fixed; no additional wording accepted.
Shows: 10h33
